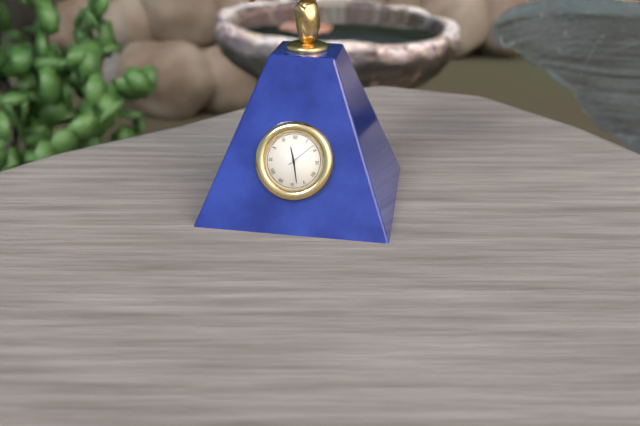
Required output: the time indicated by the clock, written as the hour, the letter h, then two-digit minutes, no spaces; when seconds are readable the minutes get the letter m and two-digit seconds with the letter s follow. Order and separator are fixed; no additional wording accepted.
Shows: 11h28
